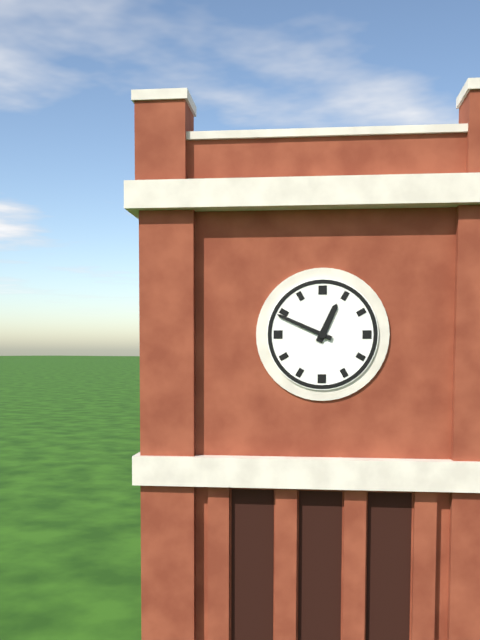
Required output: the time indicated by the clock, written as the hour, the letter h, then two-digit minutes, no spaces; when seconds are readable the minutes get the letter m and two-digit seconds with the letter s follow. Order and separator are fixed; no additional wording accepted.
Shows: 12h49
